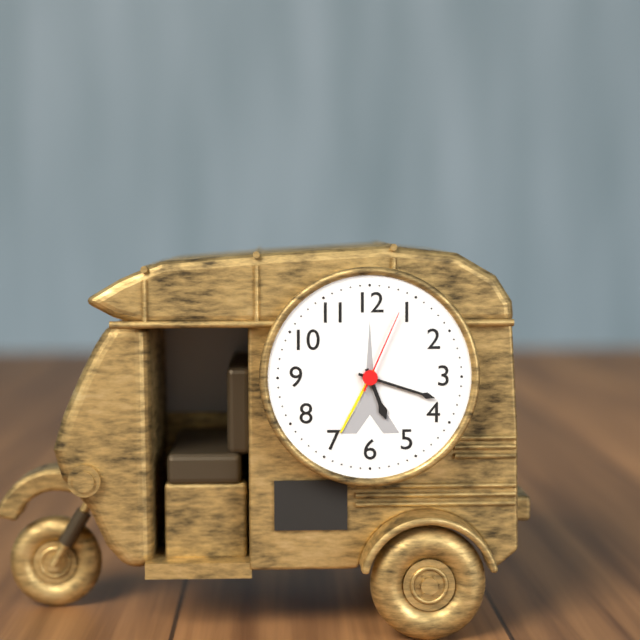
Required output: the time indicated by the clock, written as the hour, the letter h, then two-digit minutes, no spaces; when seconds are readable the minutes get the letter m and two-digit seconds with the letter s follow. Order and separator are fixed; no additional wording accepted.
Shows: 5h18m04s
